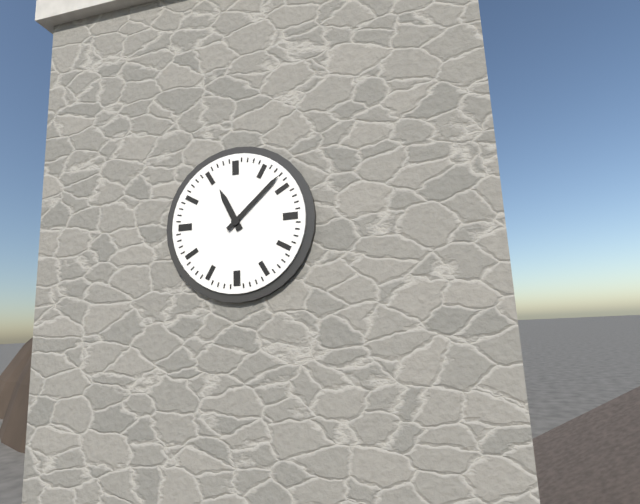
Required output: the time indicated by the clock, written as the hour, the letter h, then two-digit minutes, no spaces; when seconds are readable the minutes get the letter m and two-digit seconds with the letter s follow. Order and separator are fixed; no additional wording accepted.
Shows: 11h08
